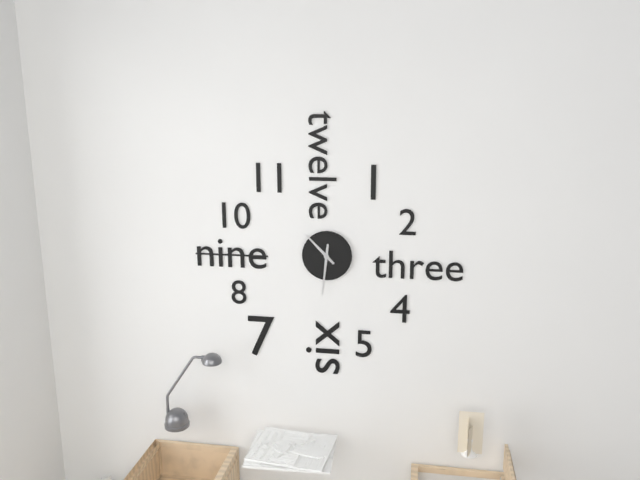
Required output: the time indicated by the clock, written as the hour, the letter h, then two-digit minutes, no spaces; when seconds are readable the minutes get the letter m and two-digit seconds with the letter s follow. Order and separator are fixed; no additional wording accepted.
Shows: 10h31
